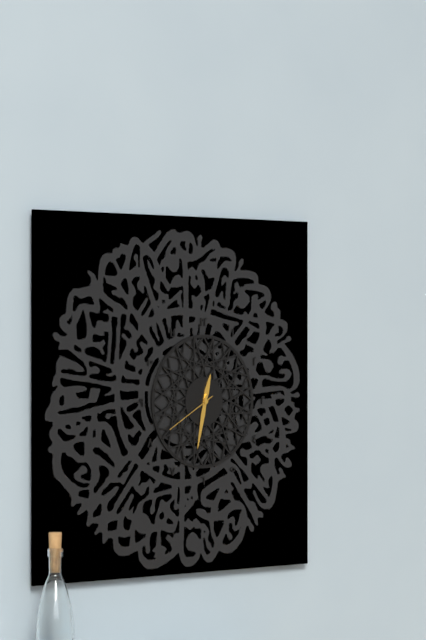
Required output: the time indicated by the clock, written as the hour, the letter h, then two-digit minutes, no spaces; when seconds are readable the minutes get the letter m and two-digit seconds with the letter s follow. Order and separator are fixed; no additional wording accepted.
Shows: 12h32m40s
